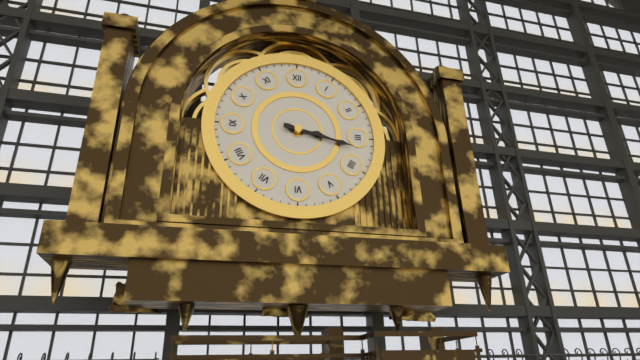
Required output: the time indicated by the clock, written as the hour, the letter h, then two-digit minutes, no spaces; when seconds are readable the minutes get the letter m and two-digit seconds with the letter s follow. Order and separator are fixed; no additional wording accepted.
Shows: 3h17
